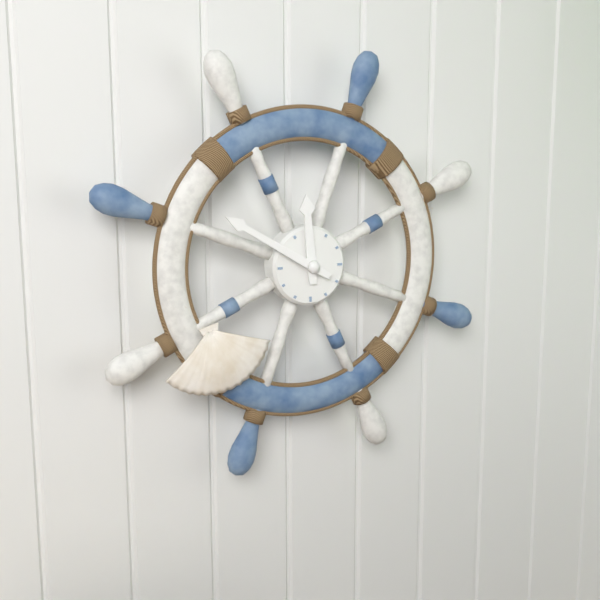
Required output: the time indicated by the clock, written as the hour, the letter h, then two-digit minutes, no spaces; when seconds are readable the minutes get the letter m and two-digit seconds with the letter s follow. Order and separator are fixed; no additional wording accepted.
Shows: 11h50
